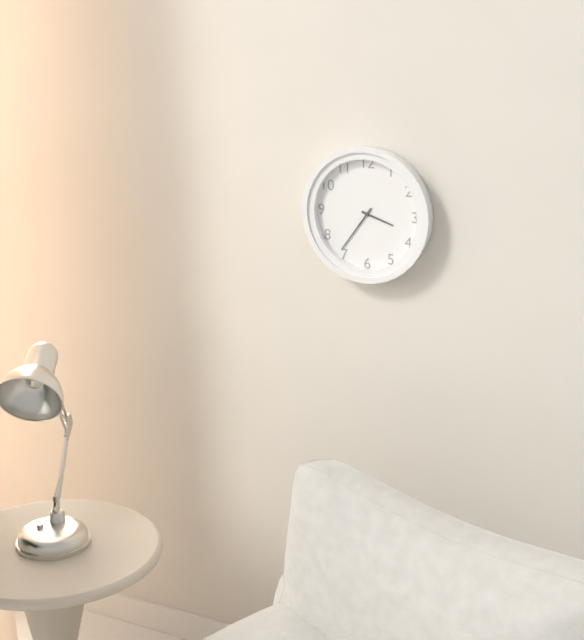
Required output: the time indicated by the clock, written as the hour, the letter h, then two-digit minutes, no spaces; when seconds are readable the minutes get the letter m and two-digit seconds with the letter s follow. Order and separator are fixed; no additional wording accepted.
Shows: 3h36
